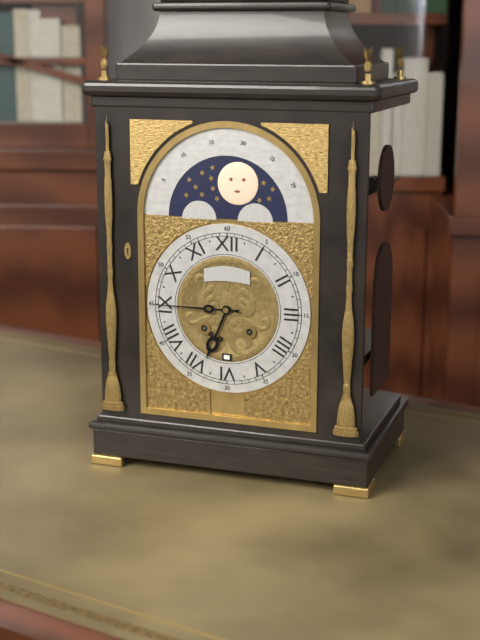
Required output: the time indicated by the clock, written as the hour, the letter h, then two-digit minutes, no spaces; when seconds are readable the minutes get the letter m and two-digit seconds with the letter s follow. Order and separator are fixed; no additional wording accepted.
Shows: 6h45
